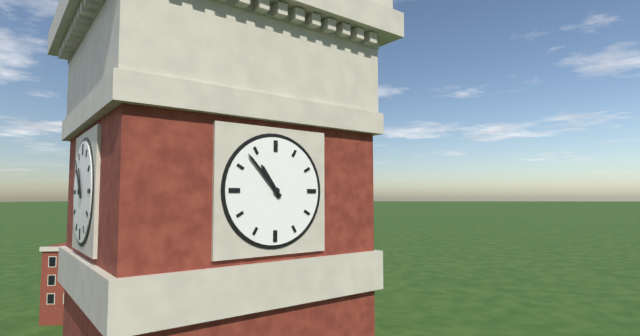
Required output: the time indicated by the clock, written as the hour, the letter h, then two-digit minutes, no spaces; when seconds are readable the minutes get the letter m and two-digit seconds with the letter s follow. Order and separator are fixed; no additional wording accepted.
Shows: 10h53
